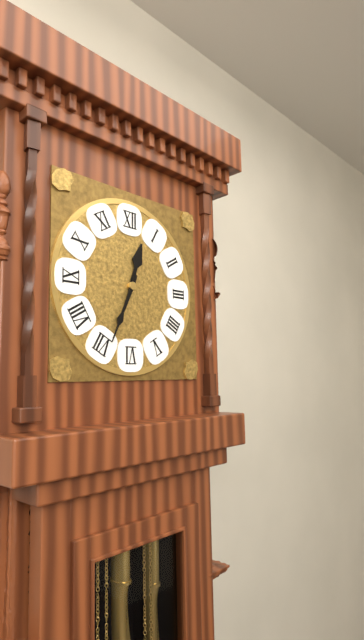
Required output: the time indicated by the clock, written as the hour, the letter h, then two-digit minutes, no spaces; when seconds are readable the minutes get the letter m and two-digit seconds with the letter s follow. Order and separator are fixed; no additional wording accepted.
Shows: 12h34
